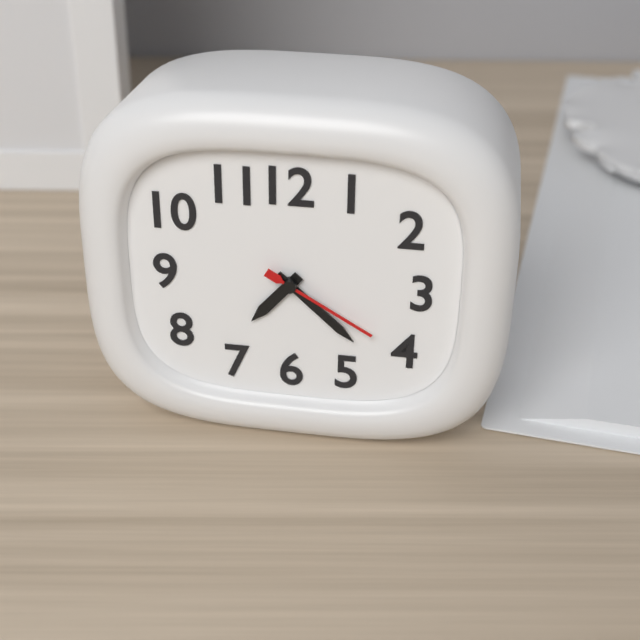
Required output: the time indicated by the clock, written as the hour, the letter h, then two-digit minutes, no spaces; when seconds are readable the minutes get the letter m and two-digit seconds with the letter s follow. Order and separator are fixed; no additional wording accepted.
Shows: 7h22m20s
